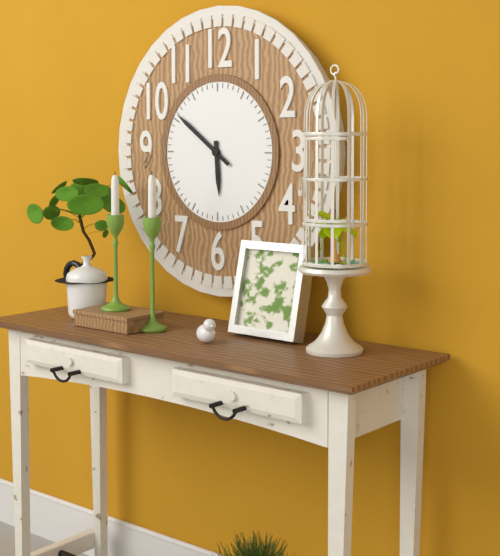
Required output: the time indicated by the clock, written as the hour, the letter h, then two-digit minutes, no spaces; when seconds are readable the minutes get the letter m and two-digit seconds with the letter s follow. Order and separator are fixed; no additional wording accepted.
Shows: 5h51
